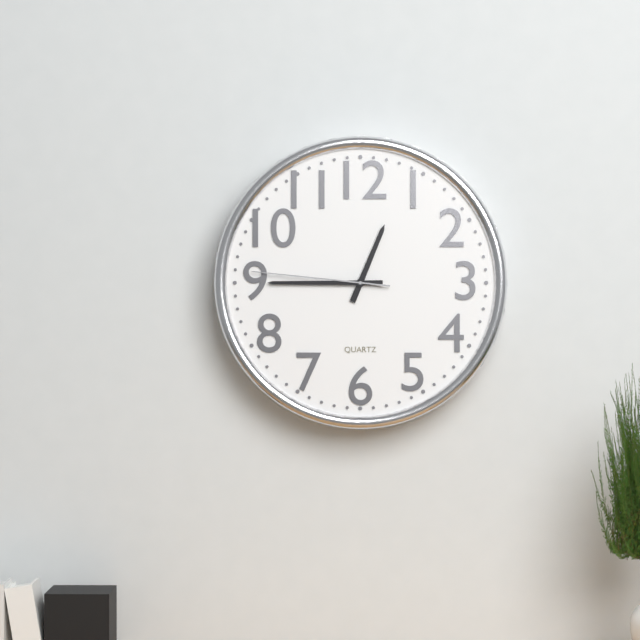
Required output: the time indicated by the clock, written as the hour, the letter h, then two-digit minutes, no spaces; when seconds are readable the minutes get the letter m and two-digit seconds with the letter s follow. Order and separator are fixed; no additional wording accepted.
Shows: 12h45m46s
